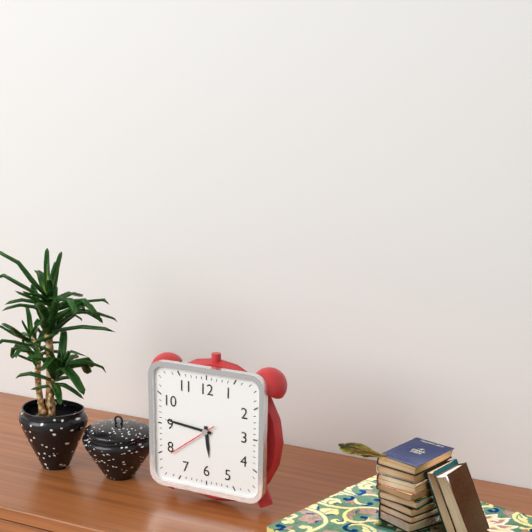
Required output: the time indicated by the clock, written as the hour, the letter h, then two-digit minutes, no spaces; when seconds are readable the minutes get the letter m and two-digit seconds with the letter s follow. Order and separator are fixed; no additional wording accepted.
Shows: 5h46m39s
